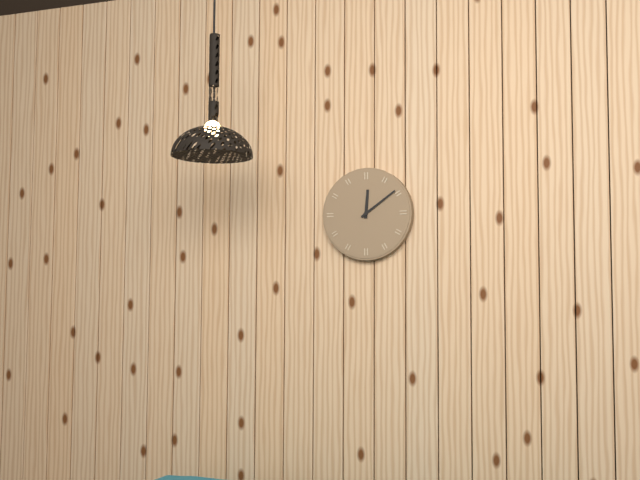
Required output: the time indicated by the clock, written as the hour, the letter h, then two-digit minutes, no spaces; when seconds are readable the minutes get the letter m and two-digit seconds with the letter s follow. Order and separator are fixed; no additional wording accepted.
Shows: 12h09
